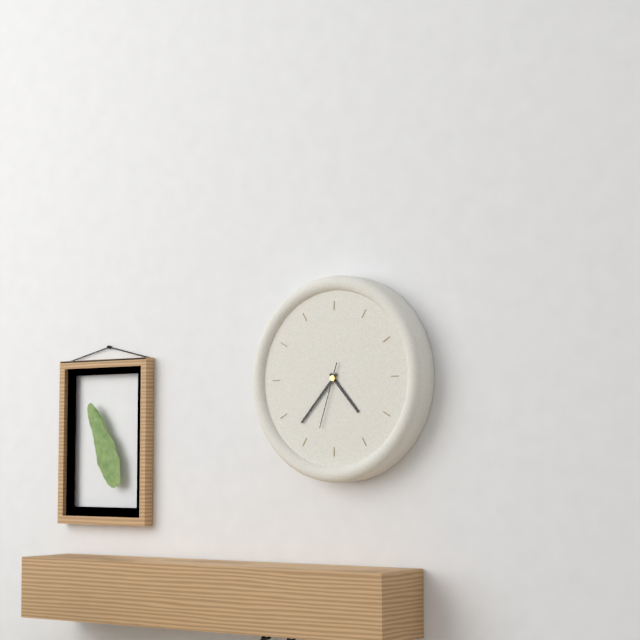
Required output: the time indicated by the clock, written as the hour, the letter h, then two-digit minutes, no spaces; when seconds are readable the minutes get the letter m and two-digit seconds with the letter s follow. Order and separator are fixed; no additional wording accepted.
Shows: 4h37m33s
